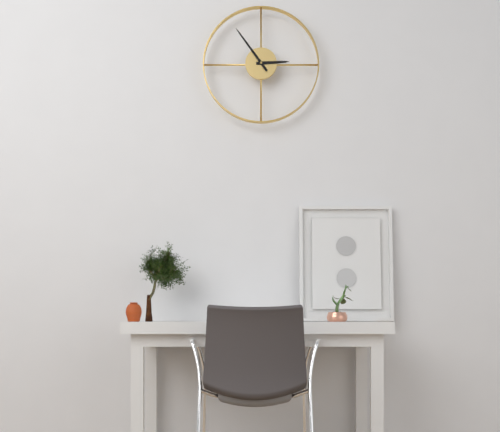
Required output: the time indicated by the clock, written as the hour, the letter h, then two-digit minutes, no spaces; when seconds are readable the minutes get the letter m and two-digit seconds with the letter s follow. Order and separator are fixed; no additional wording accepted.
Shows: 2h54
